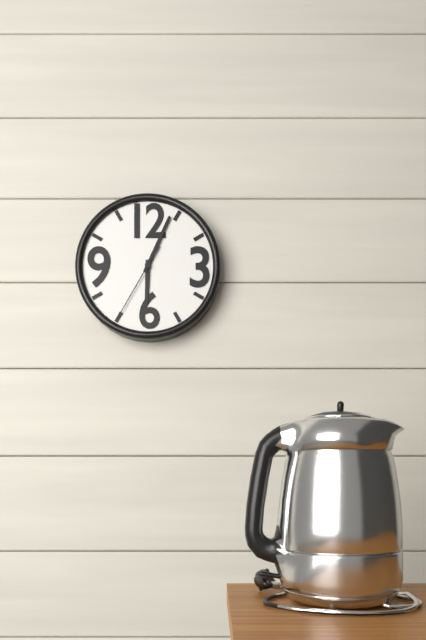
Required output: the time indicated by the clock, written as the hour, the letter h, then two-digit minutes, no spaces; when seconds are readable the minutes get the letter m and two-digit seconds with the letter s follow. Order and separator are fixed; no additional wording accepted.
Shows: 6h04m35s
